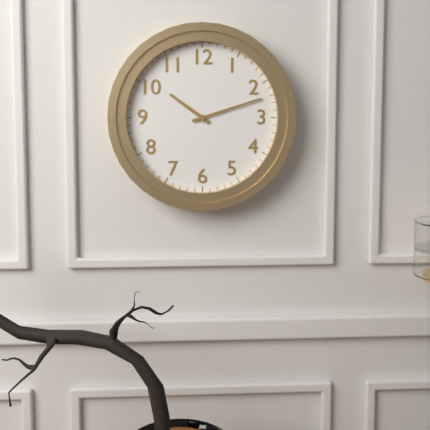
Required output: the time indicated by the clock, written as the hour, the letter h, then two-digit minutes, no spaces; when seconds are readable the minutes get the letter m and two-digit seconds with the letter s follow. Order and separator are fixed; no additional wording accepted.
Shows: 10h12
